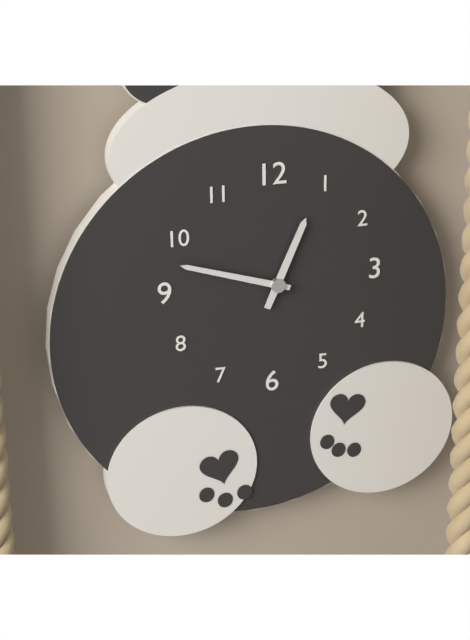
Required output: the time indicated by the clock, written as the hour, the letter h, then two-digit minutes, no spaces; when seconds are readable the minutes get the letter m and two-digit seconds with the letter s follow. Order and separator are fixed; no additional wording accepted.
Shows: 12h48
